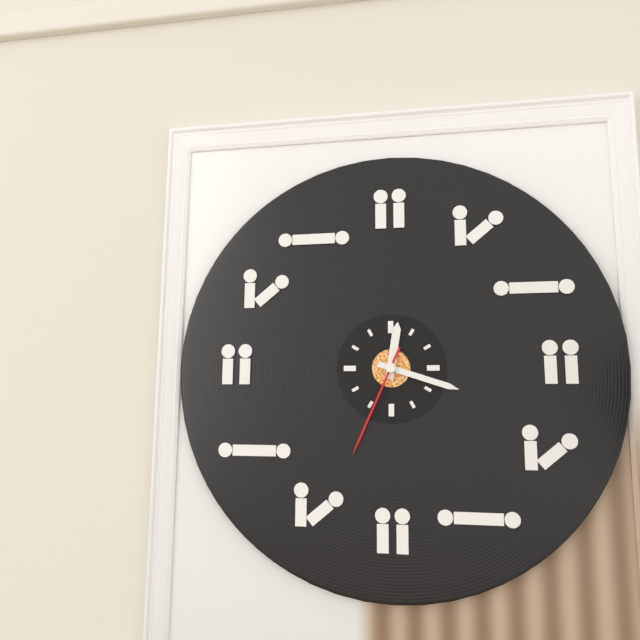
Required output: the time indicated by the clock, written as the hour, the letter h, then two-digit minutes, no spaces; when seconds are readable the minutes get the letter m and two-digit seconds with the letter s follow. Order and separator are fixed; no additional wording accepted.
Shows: 12h18m34s
